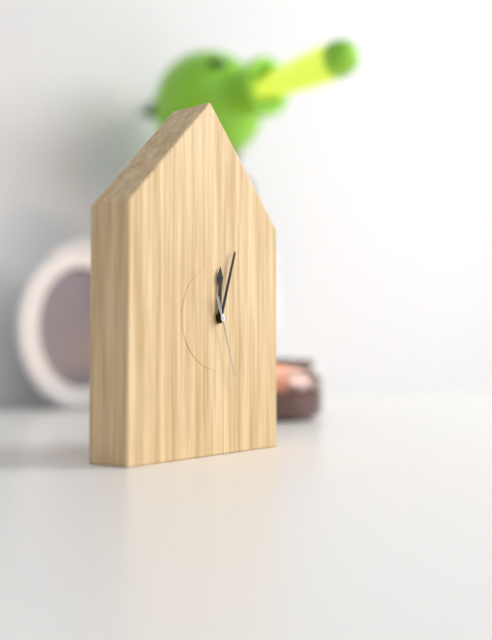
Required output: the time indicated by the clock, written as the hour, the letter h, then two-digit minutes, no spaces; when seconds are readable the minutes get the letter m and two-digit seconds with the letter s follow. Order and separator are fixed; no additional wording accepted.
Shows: 12h03m27s
